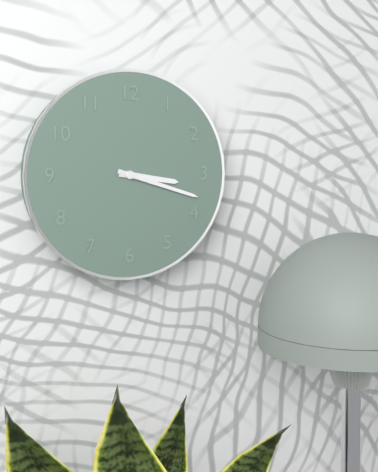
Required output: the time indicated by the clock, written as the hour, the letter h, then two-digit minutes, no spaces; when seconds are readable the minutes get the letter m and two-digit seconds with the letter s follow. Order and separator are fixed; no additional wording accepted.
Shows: 3h18
